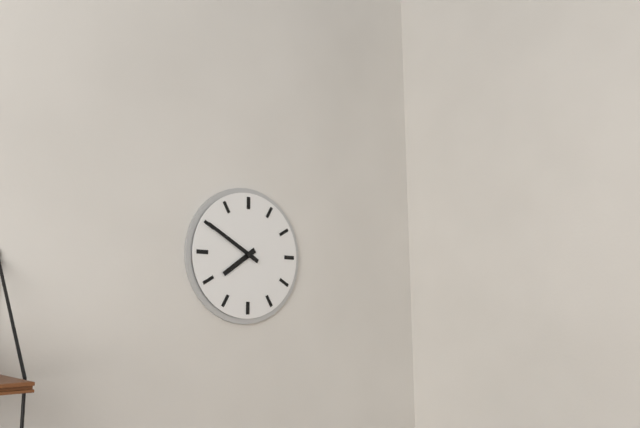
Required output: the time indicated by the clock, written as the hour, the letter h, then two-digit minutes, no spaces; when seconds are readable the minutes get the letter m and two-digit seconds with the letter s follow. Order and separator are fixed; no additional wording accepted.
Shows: 7h50
